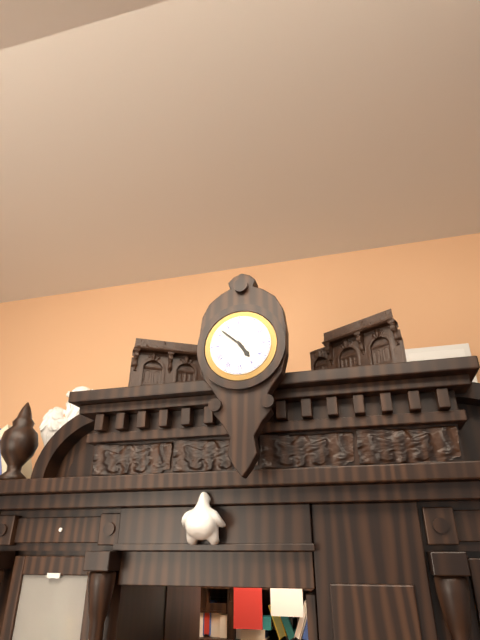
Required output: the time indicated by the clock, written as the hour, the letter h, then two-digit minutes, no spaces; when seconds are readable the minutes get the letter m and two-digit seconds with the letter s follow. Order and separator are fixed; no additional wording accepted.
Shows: 4h52
